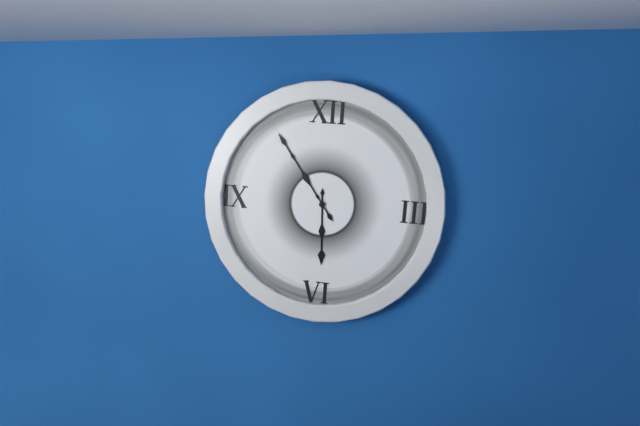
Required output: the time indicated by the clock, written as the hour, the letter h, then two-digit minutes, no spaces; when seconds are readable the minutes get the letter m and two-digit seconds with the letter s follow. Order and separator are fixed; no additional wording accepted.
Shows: 5h54
